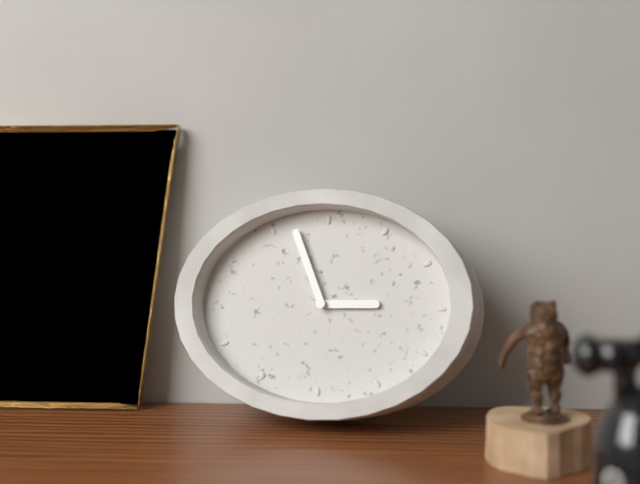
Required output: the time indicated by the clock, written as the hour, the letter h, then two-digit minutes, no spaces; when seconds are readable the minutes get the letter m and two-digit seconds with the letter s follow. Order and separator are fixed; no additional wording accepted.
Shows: 2h56
